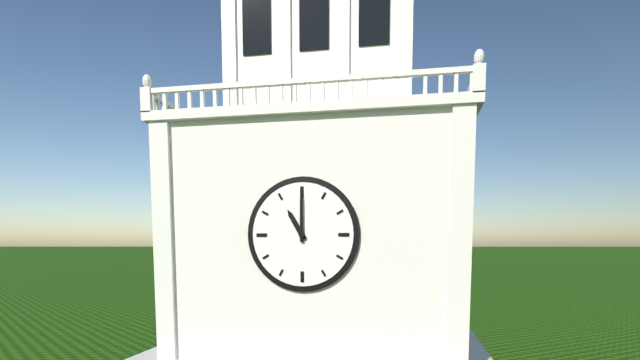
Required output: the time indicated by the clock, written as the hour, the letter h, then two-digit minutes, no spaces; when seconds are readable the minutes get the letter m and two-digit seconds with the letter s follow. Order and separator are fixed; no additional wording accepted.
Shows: 11h00
